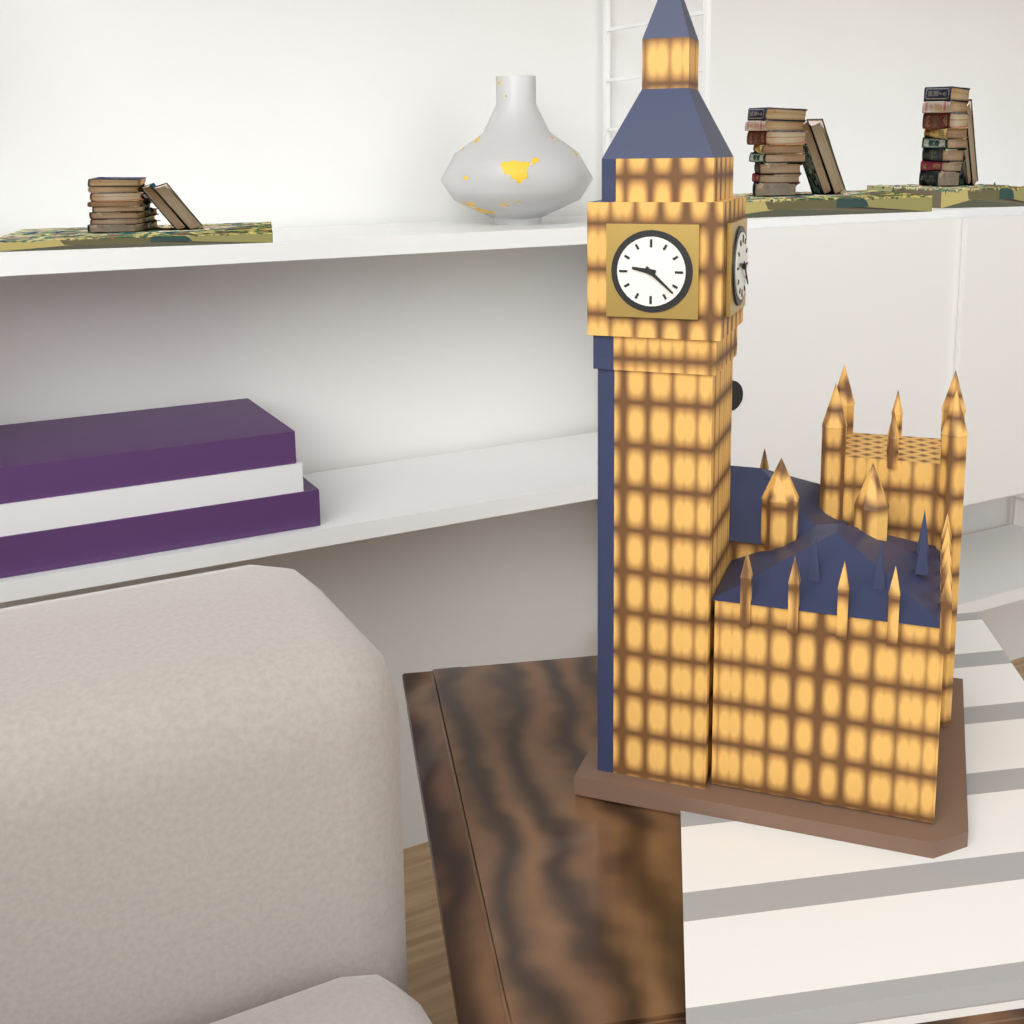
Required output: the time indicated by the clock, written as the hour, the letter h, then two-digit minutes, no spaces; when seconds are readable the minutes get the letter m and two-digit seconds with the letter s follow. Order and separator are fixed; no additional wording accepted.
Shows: 9h22
